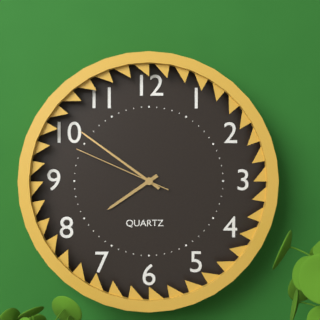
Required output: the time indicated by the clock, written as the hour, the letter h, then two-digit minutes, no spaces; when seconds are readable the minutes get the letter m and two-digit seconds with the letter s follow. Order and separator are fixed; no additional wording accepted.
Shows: 7h51m49s
